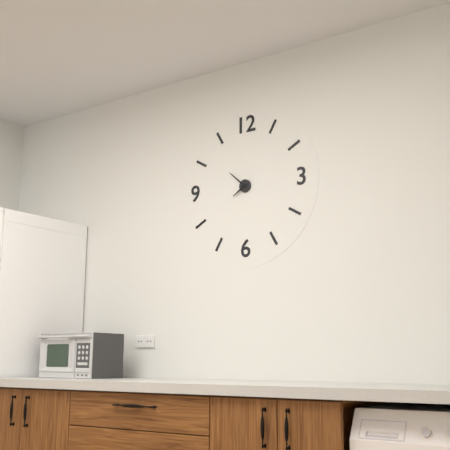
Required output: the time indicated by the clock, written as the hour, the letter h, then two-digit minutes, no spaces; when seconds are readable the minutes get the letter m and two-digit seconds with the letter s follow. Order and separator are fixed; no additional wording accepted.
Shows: 7h52
